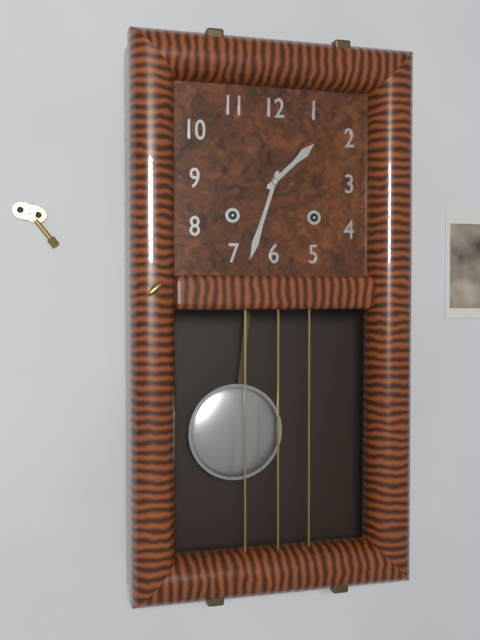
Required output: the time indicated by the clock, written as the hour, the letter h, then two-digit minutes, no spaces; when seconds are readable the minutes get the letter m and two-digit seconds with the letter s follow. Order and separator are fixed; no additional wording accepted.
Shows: 1h33
